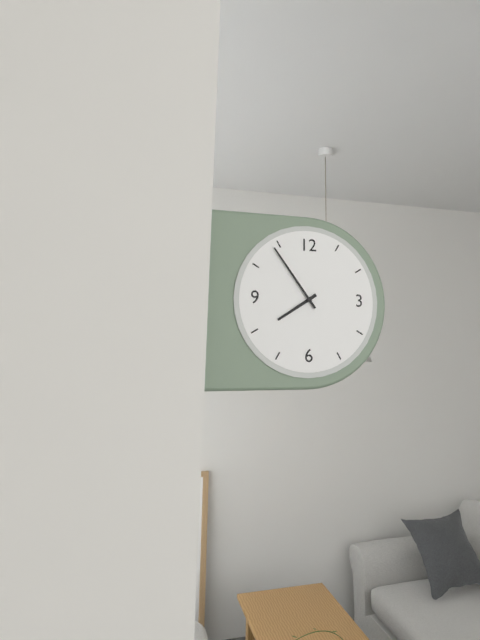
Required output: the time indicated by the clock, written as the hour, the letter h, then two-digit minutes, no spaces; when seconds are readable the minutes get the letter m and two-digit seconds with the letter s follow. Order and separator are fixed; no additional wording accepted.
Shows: 7h54
